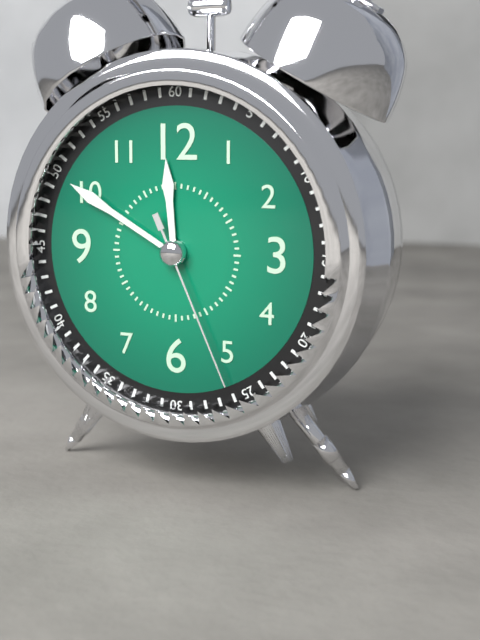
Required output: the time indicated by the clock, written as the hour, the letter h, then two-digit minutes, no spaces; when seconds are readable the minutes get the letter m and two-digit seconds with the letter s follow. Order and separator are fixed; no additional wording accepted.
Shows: 11h50m26s
